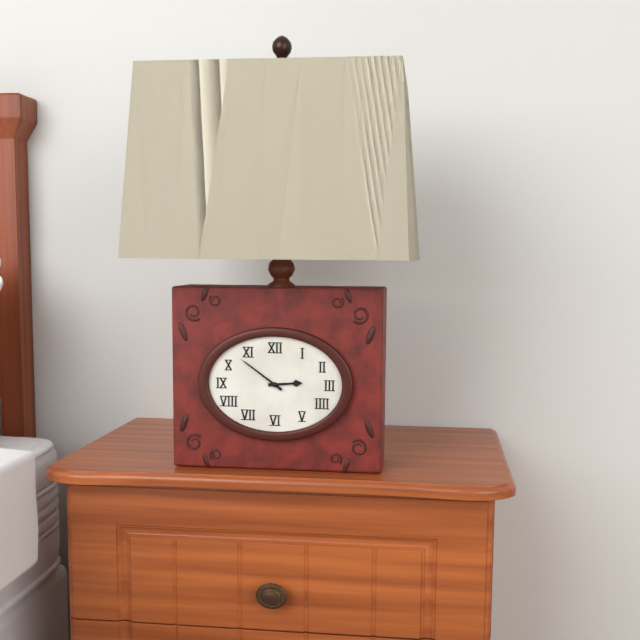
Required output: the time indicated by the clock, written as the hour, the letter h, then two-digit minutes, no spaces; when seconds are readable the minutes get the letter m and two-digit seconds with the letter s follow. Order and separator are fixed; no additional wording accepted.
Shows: 2h51
